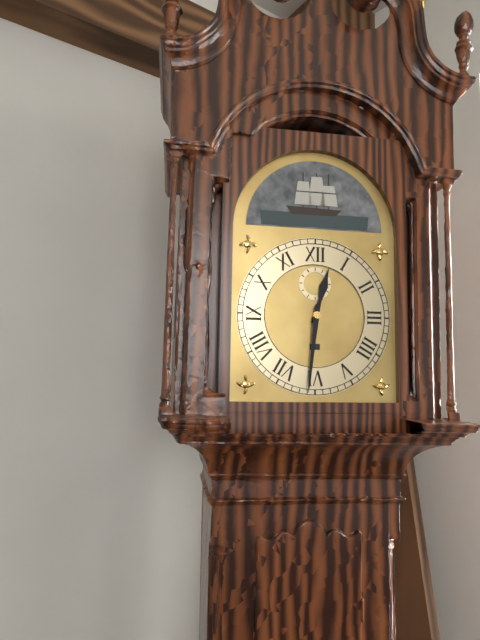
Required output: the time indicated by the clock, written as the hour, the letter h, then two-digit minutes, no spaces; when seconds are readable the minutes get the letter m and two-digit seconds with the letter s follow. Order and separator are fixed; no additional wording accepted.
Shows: 12h31
